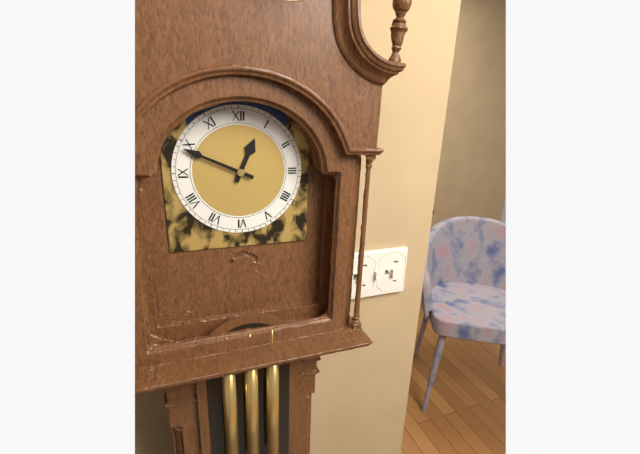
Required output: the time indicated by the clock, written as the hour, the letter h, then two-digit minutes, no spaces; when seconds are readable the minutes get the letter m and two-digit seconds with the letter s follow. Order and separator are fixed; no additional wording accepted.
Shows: 12h49
